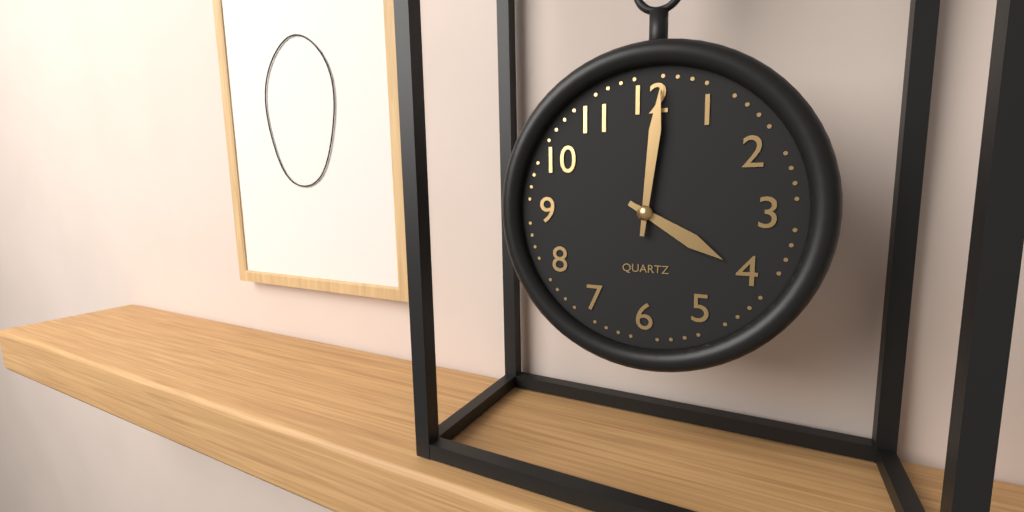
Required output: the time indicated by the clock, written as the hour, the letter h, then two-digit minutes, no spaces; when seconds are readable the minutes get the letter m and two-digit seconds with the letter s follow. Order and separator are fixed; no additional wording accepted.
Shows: 4h01
